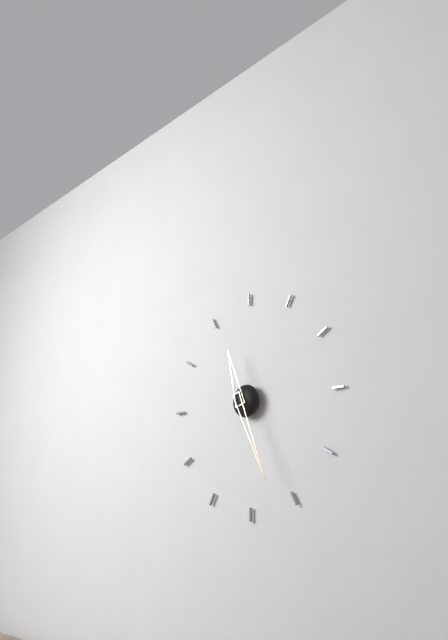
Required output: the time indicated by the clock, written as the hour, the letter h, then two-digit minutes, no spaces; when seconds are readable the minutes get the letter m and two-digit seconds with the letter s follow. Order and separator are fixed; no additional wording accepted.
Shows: 11h26
